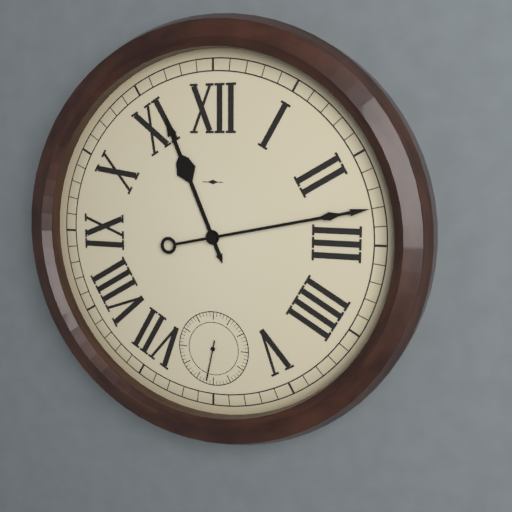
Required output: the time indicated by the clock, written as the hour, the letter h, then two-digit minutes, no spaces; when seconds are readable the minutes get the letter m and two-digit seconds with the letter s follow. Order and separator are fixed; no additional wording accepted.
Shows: 11h13
